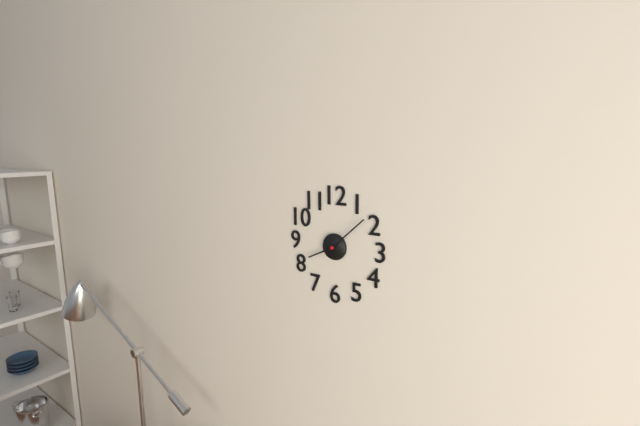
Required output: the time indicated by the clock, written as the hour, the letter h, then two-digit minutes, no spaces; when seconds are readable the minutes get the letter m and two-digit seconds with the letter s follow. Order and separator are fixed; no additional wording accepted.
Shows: 8h08
